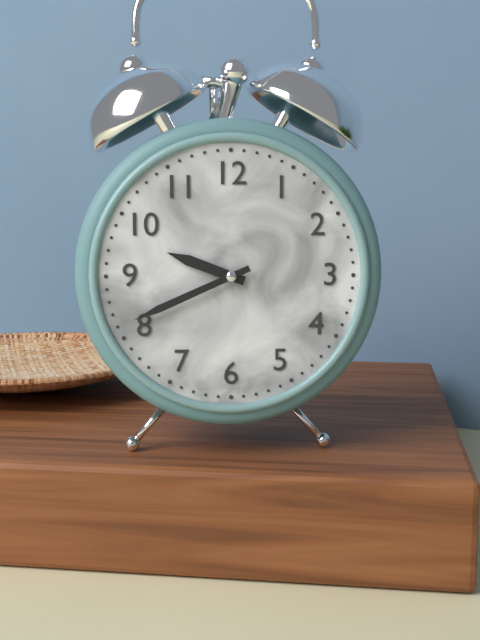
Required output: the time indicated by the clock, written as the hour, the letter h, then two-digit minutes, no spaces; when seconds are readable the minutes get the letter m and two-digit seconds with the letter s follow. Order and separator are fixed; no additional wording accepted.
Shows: 9h41
